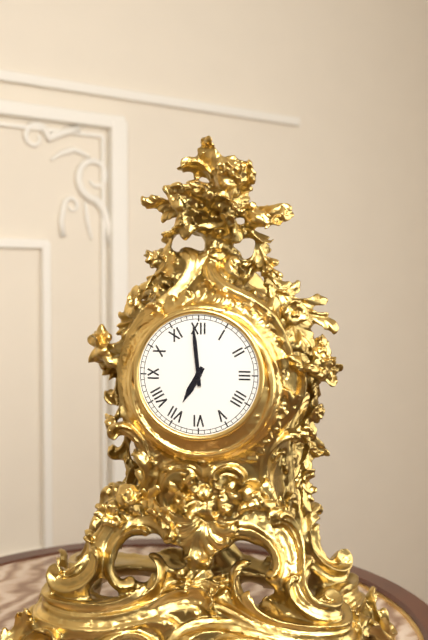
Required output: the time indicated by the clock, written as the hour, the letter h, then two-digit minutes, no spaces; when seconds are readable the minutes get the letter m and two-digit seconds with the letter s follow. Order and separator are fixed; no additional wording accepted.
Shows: 6h59
